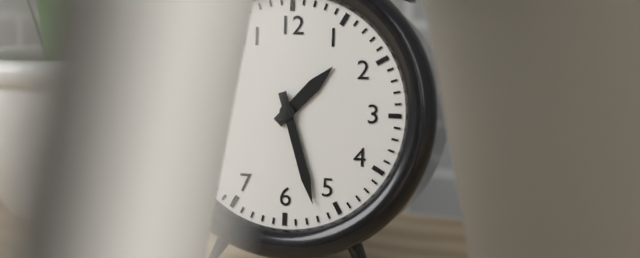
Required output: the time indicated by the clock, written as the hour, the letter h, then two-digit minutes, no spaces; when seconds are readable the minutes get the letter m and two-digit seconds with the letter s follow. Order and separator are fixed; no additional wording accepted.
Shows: 1h27
